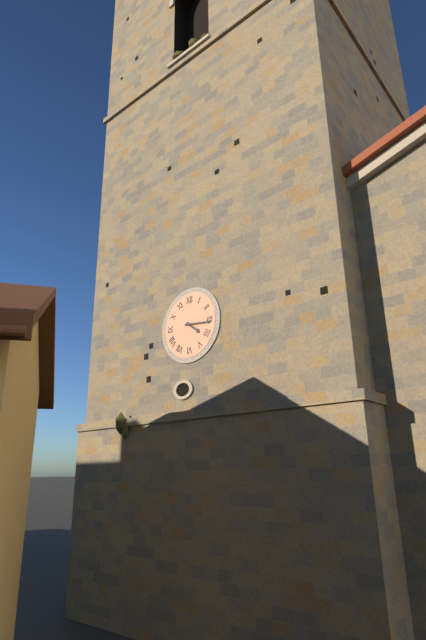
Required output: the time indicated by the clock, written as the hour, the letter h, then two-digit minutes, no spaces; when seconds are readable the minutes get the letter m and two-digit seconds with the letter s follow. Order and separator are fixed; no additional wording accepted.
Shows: 4h16
